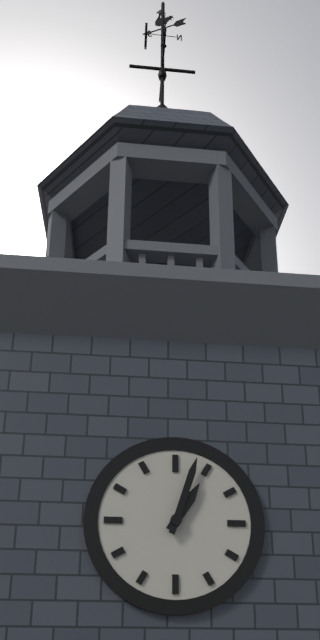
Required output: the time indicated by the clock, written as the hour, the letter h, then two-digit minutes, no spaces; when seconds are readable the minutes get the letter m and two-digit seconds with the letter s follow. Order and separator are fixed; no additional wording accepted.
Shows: 1h03
